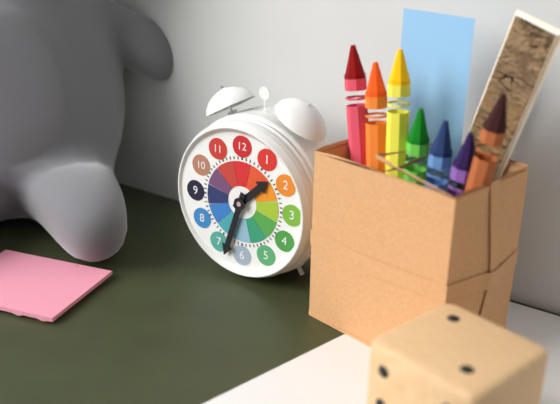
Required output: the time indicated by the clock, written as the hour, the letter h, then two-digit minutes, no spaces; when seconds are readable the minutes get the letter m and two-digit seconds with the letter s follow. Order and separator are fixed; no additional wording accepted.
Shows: 1h33
